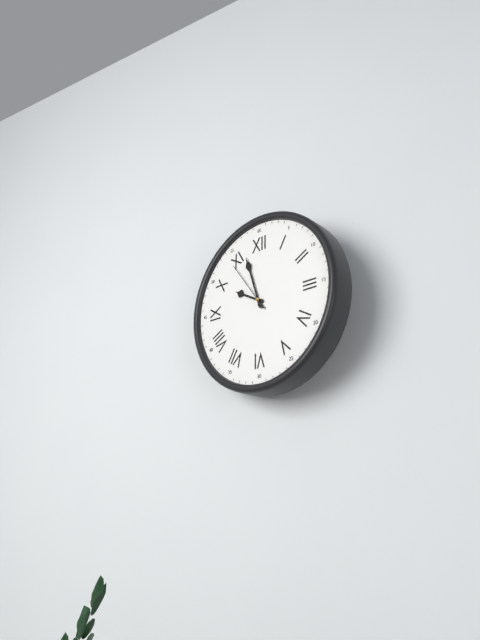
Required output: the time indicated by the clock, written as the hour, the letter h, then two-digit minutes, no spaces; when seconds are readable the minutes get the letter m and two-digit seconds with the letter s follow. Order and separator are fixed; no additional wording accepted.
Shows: 9h57m54s
